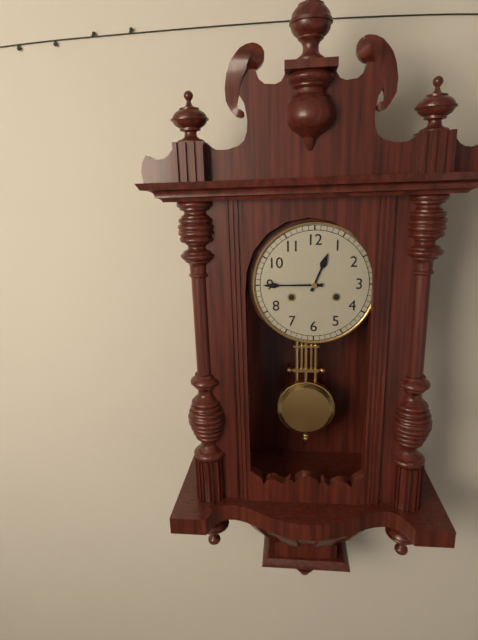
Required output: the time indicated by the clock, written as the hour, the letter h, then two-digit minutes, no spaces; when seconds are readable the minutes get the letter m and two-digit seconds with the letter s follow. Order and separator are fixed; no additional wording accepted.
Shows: 12h45
